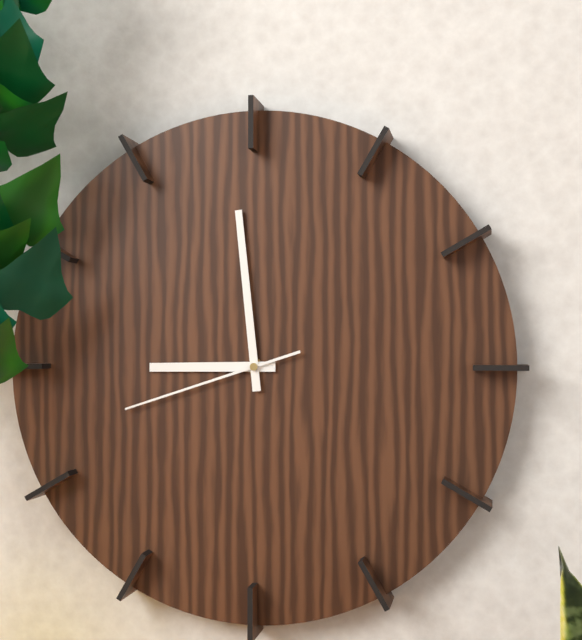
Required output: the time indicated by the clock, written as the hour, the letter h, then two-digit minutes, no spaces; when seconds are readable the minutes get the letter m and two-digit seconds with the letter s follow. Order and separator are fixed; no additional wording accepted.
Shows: 8h59m42s
